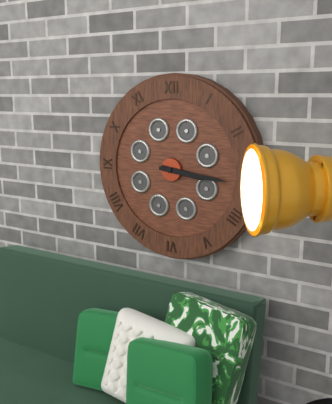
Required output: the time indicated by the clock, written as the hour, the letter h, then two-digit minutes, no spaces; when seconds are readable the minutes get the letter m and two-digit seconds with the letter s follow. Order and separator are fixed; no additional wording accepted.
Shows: 3h16
